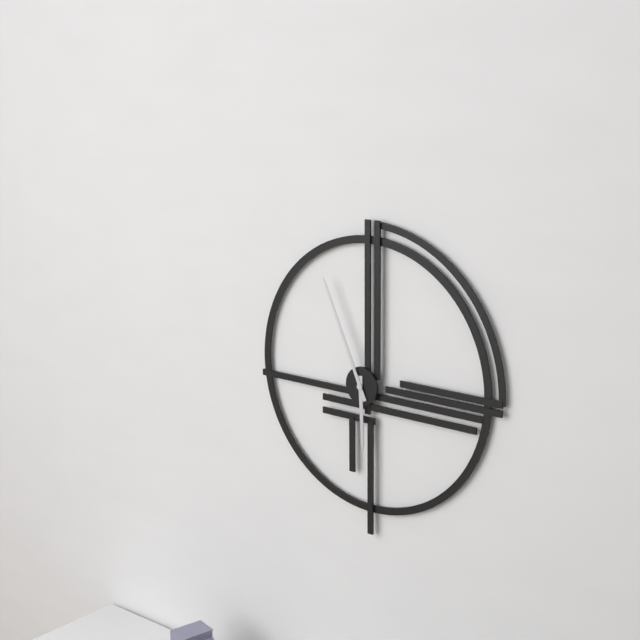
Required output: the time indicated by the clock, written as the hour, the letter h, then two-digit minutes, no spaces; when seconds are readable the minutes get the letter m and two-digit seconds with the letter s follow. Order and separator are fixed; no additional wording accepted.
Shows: 5h56
